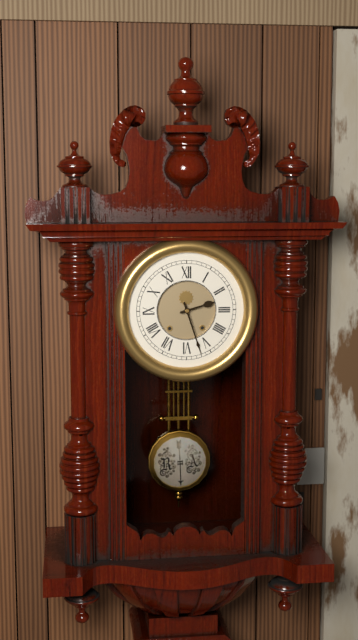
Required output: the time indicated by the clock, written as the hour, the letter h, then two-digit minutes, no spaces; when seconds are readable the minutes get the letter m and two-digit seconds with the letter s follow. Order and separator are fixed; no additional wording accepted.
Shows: 2h27
